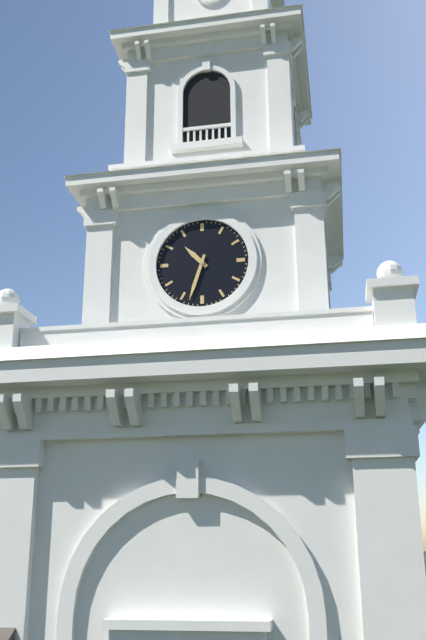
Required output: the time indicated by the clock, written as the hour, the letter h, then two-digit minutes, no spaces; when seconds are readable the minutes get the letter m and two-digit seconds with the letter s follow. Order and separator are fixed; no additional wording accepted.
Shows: 10h33
